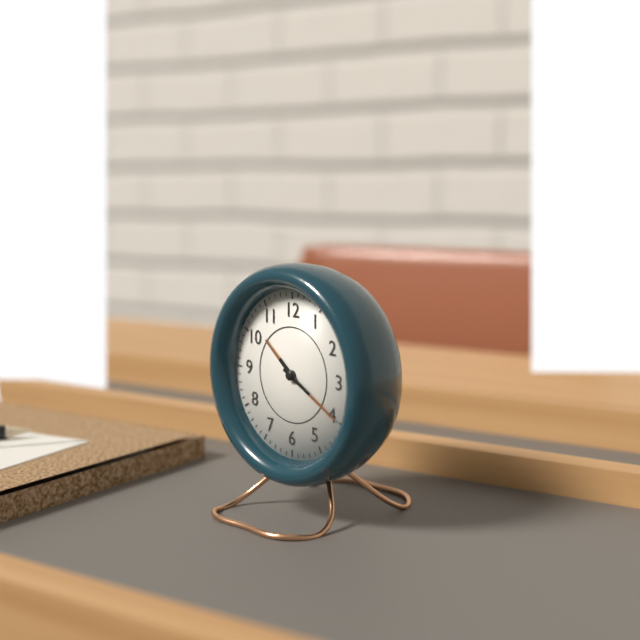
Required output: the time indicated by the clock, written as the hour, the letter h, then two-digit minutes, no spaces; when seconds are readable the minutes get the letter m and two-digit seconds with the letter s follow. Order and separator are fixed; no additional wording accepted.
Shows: 10h20
